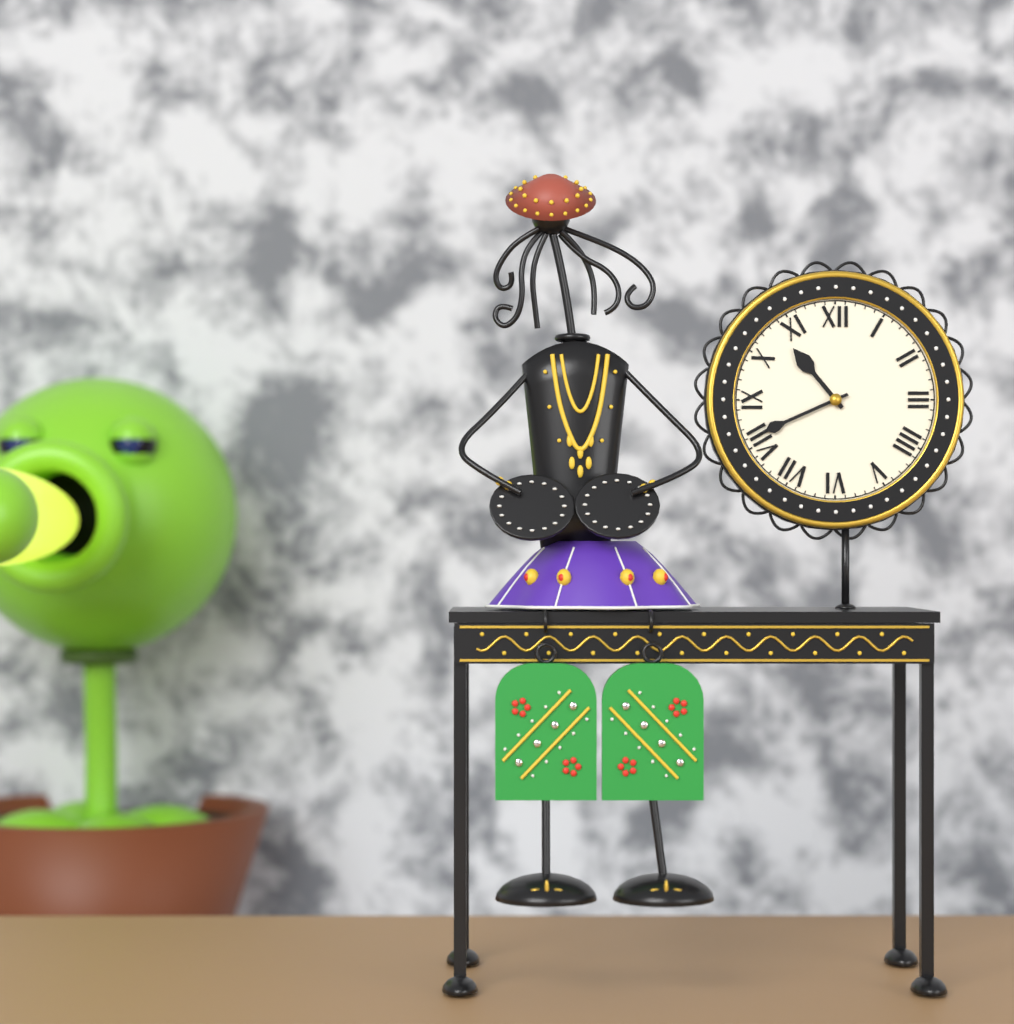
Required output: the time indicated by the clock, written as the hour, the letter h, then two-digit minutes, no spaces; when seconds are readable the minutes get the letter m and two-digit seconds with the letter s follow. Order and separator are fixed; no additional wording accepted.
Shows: 10h41
